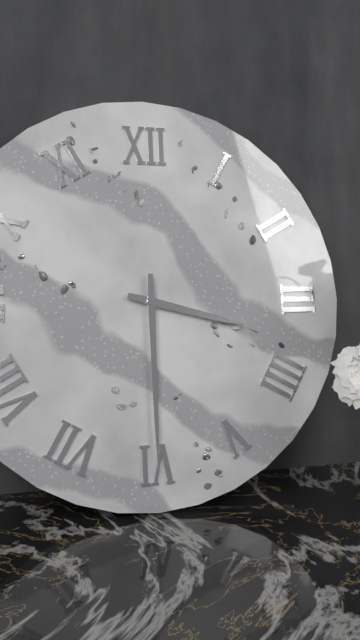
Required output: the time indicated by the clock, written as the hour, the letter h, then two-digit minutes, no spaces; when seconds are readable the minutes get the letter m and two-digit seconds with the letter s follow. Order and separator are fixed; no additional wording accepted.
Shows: 3h30
